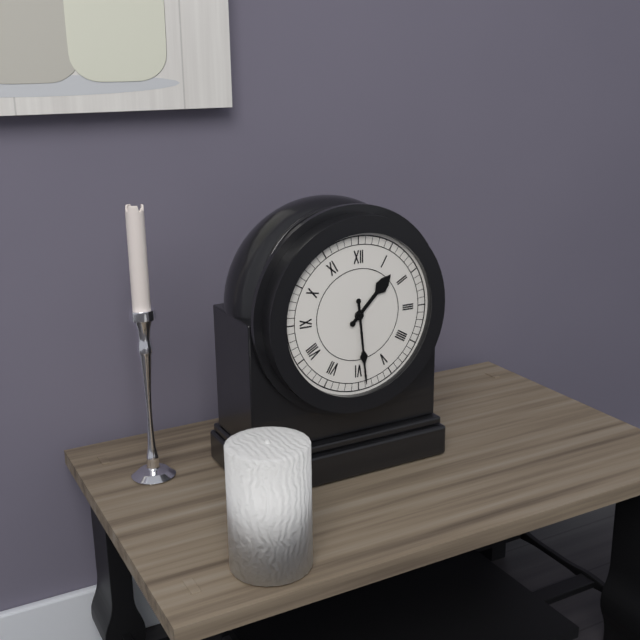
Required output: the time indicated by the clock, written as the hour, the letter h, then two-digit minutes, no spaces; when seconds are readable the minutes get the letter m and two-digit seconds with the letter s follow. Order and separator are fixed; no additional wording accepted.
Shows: 1h29
